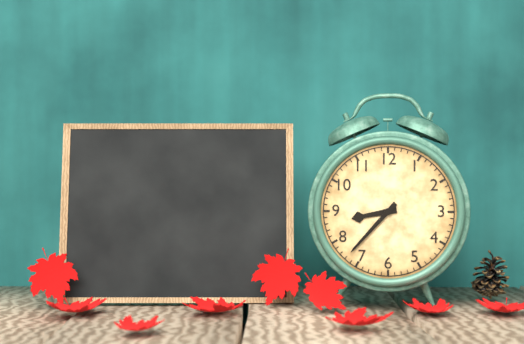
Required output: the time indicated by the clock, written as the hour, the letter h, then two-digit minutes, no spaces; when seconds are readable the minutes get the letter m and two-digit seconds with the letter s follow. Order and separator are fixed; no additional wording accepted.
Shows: 8h37
